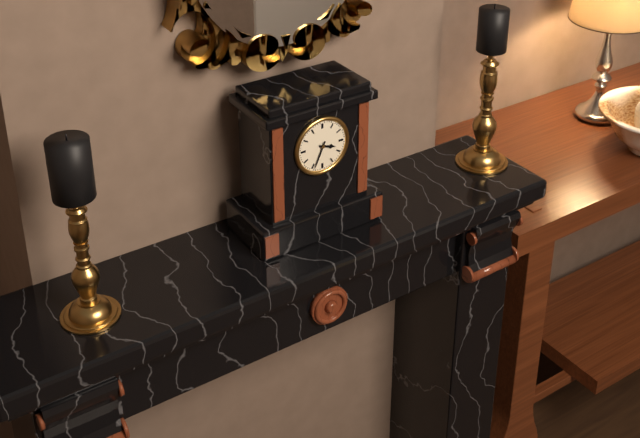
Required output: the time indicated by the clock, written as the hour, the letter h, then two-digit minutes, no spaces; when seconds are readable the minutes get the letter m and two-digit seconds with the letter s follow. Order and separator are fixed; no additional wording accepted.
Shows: 3h34
